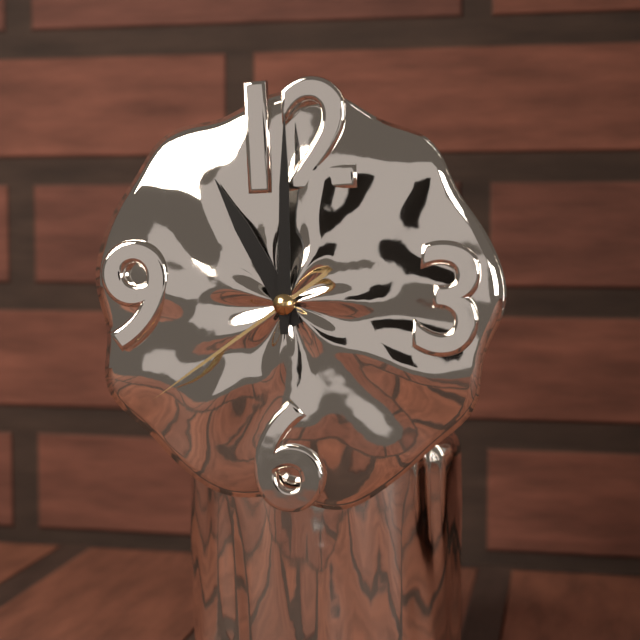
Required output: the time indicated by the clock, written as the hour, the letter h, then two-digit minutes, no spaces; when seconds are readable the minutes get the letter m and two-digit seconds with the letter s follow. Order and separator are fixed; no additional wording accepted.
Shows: 11h00m39s
